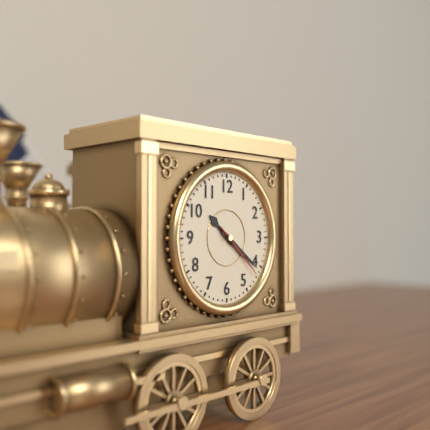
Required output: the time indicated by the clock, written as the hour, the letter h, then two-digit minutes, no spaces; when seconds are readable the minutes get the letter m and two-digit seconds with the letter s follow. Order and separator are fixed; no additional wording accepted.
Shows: 10h21m22s
